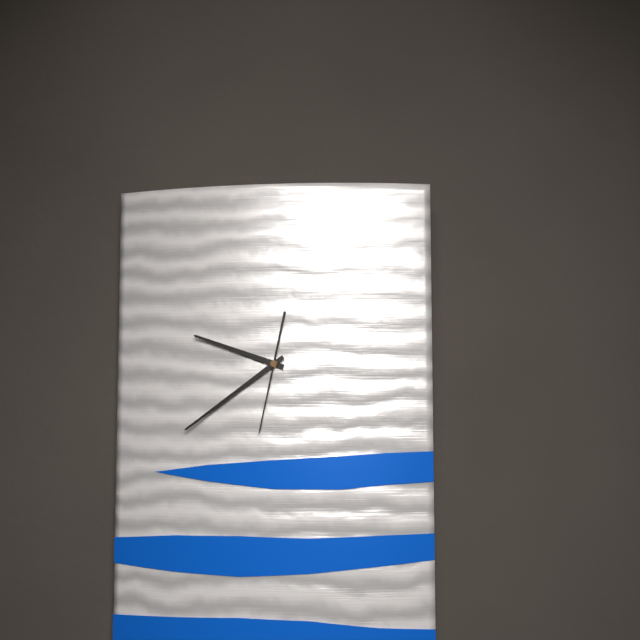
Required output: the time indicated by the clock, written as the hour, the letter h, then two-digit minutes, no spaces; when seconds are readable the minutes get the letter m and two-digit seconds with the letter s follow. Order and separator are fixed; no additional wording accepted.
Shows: 9h39m32s
